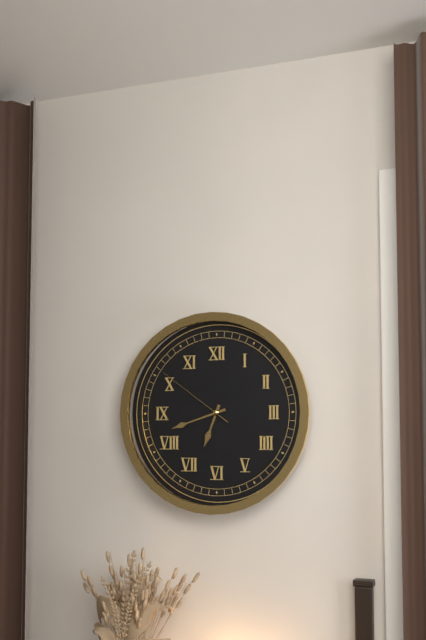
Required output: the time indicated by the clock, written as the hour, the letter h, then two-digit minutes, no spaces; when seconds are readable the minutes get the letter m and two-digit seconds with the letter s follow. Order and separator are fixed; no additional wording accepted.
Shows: 6h42m51s
